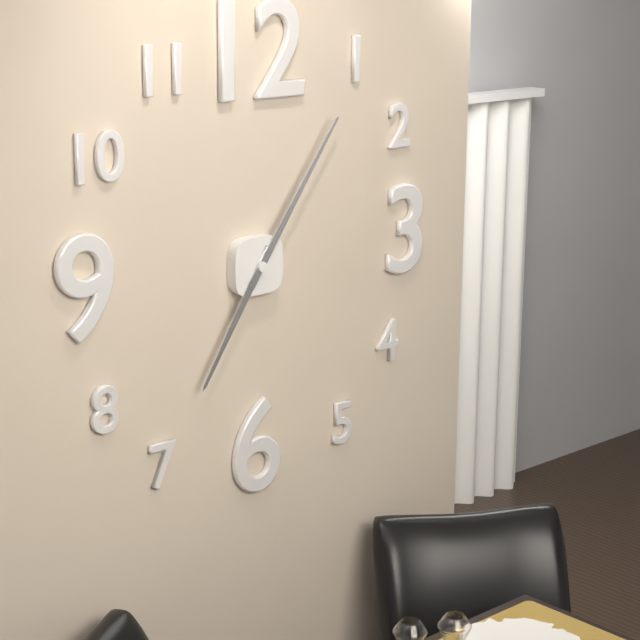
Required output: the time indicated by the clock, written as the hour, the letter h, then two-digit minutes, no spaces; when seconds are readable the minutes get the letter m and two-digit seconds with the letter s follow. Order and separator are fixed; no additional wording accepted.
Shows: 7h06
